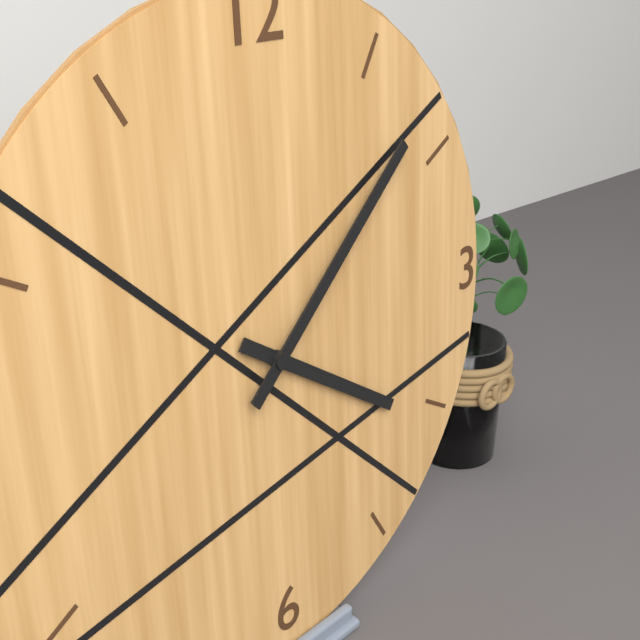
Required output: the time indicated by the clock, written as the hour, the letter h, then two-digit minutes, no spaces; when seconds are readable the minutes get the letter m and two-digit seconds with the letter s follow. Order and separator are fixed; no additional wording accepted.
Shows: 4h08
